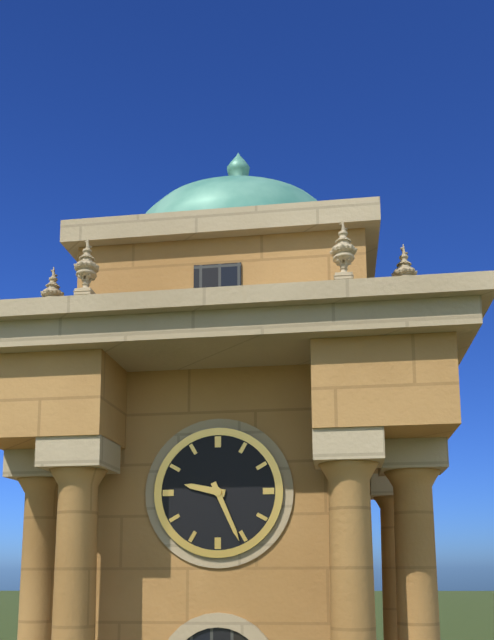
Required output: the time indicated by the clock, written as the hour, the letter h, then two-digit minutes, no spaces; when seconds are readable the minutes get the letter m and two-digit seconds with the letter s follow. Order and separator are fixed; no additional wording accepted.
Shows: 9h26
